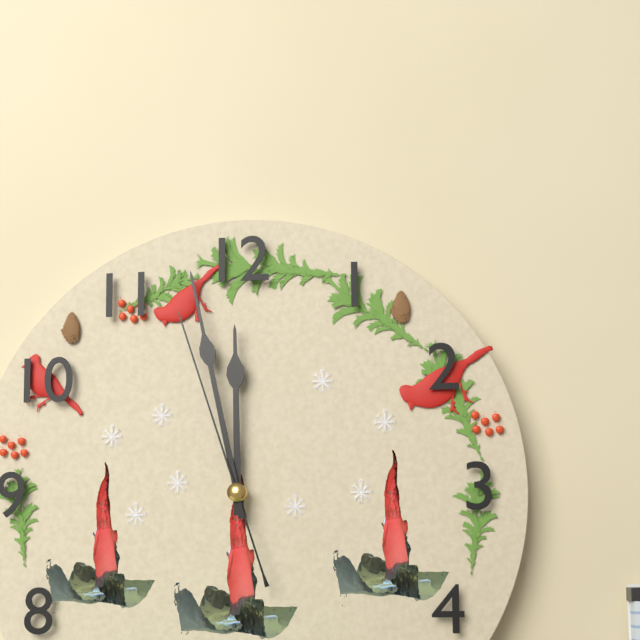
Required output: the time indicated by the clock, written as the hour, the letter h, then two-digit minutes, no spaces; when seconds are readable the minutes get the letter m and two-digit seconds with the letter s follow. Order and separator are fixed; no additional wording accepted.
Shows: 11h58m57s
